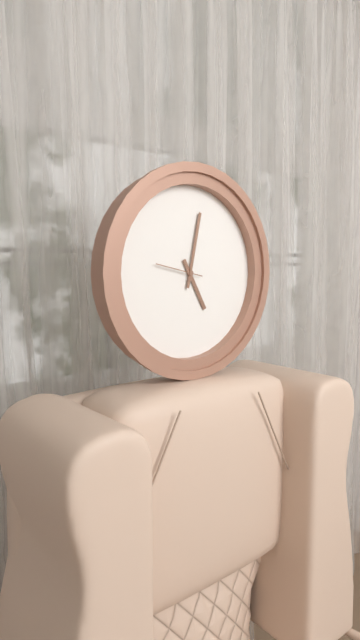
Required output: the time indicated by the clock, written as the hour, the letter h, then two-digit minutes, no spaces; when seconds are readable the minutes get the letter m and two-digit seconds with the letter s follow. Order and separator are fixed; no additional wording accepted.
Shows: 5h02
